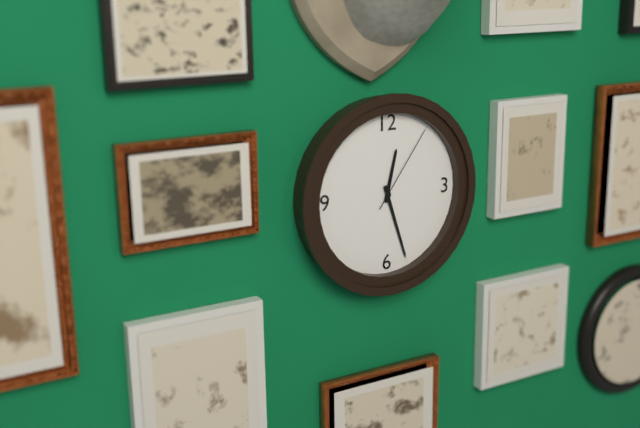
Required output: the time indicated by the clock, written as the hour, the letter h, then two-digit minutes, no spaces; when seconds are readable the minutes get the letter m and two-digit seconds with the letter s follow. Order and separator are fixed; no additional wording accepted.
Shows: 12h27m06s
